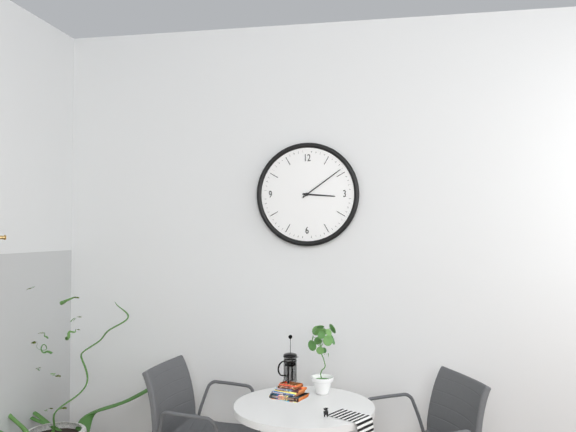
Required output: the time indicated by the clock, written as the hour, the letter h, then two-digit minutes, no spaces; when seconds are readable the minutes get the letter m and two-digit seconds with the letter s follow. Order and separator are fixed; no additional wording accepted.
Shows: 3h09
